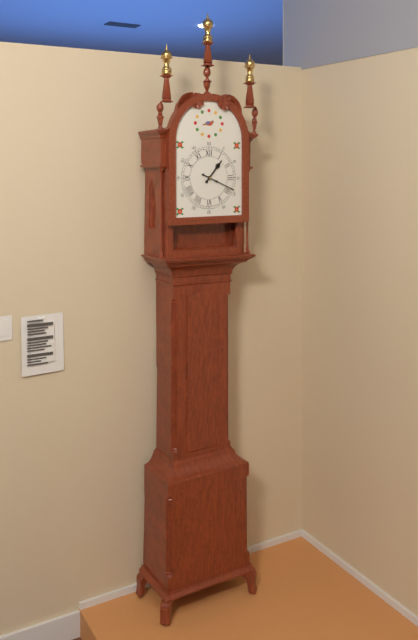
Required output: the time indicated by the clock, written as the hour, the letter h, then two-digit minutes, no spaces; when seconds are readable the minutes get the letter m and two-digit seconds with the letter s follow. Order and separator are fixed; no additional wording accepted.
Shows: 1h19
